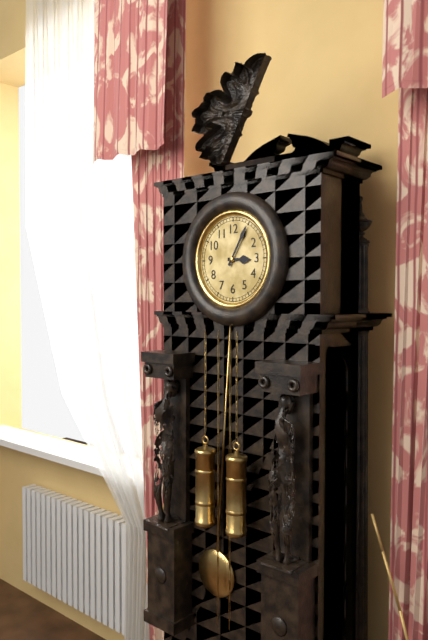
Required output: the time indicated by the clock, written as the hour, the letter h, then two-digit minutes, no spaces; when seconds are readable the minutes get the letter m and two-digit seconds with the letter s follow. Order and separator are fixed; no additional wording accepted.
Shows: 3h05
